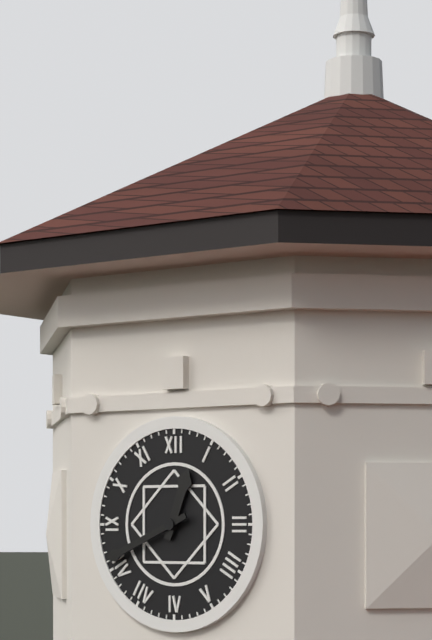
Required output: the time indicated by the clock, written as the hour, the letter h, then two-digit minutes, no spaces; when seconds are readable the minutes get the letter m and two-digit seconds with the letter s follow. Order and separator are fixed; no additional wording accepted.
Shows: 12h41
